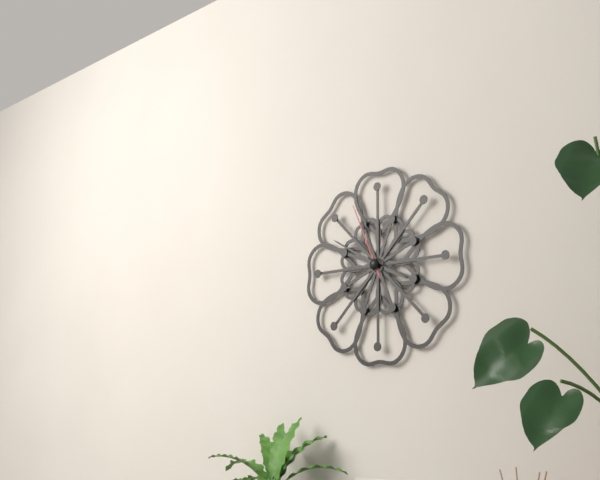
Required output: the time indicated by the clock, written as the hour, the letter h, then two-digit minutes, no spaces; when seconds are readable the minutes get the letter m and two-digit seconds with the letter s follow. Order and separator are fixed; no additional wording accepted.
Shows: 3h50m56s
